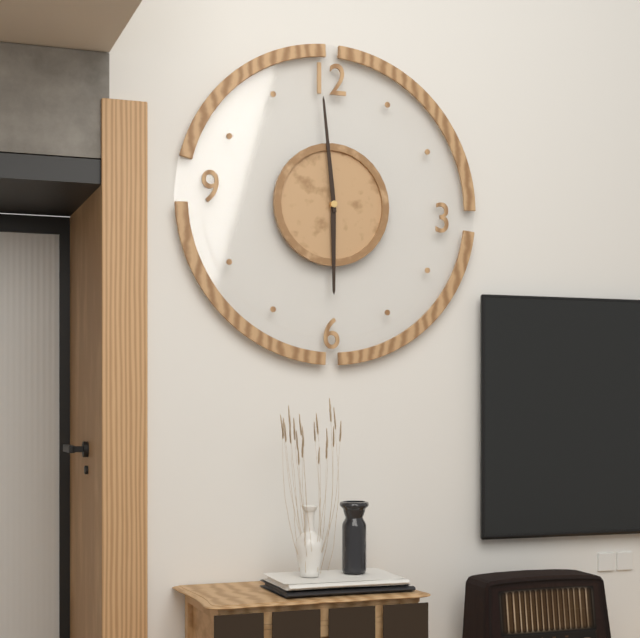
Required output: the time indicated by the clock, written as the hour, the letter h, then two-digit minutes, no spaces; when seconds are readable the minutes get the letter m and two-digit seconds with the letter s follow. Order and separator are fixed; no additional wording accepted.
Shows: 5h59
